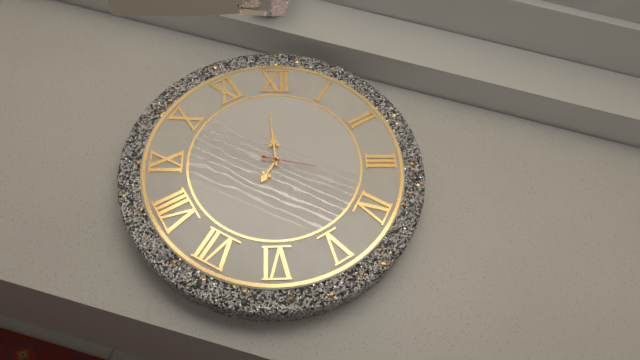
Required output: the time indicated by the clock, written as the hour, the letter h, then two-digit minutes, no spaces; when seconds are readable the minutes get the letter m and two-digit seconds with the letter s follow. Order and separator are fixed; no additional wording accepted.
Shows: 6h59
